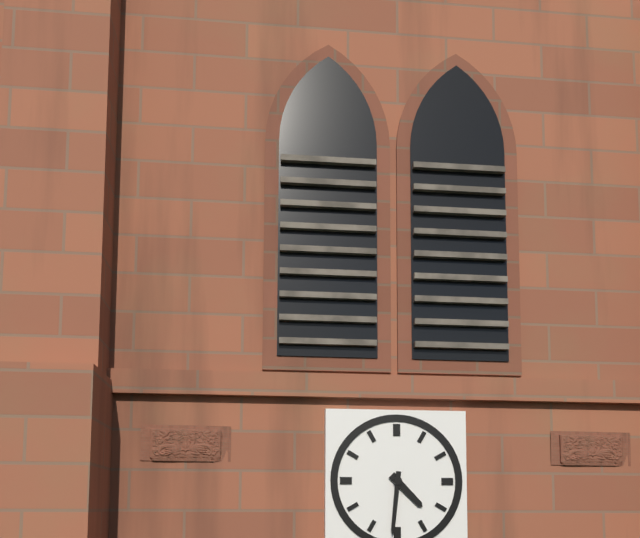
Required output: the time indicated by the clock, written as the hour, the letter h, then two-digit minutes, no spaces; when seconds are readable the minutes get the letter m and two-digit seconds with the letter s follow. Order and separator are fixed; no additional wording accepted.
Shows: 4h31
